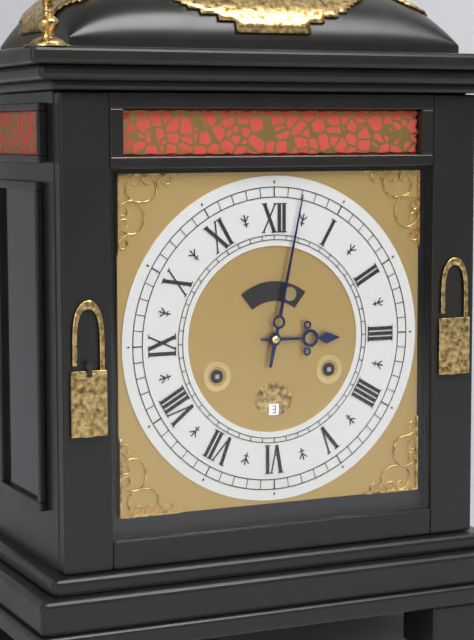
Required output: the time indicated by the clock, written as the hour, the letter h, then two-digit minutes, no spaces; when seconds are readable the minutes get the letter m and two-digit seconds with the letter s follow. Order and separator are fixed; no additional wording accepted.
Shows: 3h02
